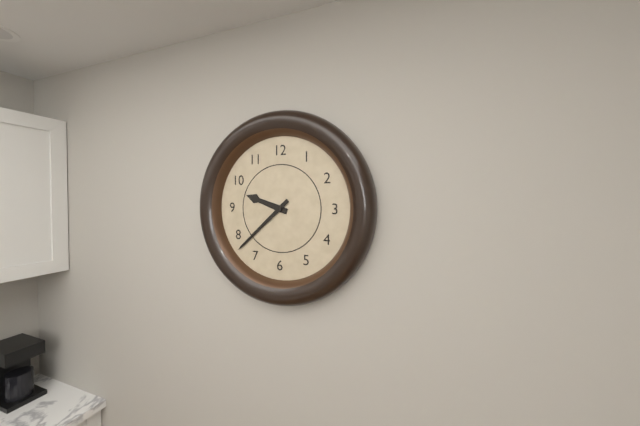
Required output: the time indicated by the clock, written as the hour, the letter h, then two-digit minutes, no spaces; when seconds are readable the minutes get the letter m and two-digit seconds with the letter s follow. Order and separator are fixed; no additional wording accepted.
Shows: 9h38
